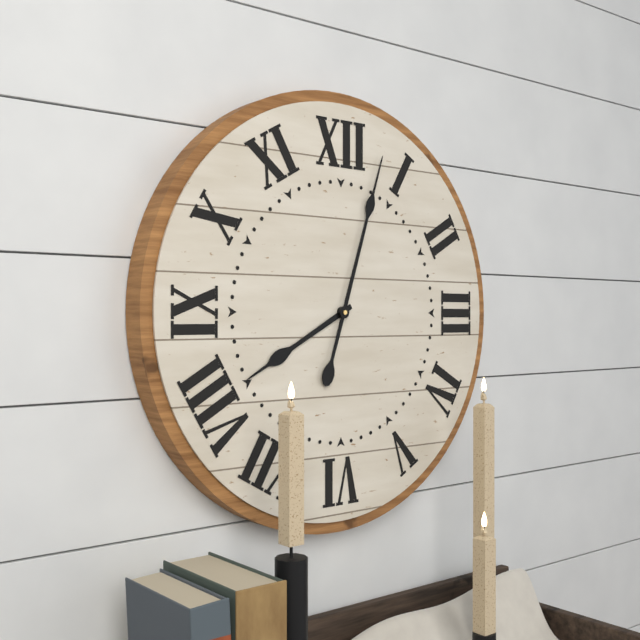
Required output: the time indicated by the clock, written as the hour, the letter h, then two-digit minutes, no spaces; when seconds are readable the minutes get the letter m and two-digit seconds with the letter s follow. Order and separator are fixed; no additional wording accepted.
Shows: 8h03
